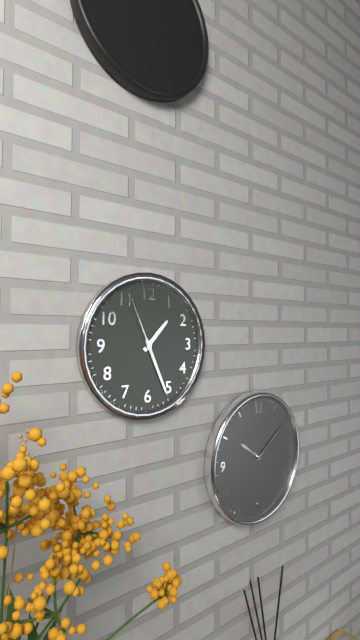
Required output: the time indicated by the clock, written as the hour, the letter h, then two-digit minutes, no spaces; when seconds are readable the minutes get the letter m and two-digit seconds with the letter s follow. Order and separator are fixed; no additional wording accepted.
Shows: 1h26m56s
